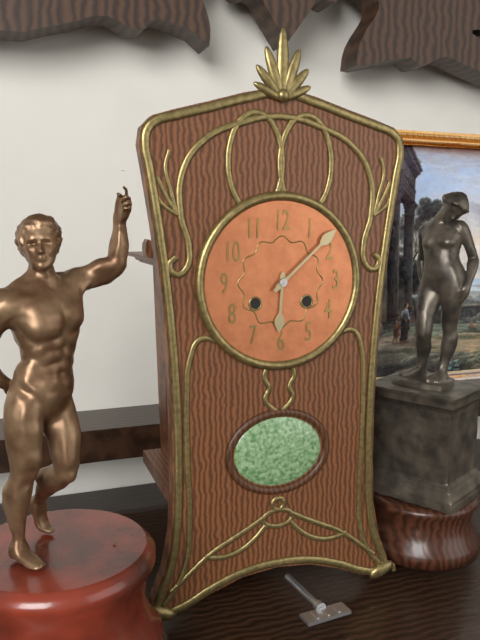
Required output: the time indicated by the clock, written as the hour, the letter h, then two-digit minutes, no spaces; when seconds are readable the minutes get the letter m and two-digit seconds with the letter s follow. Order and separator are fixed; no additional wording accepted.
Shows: 6h08
